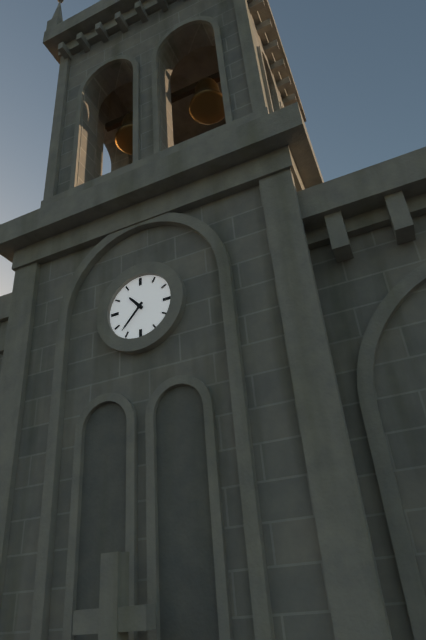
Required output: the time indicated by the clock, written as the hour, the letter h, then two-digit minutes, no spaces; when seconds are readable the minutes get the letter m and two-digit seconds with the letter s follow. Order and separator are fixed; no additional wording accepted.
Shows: 10h37
